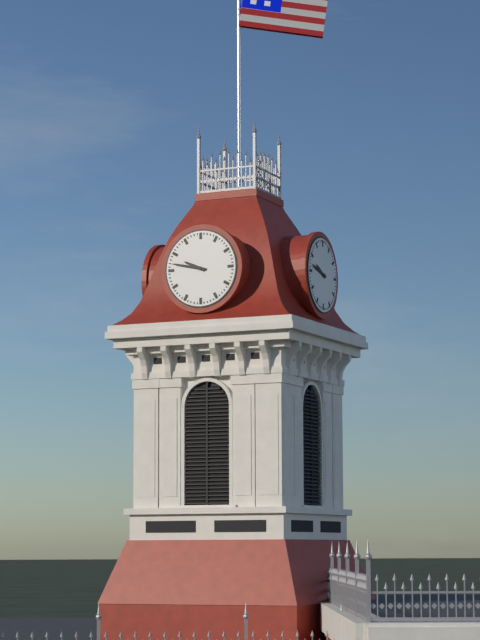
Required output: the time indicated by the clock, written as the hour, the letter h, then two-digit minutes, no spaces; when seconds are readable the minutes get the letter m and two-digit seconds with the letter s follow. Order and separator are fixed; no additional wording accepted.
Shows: 9h47
